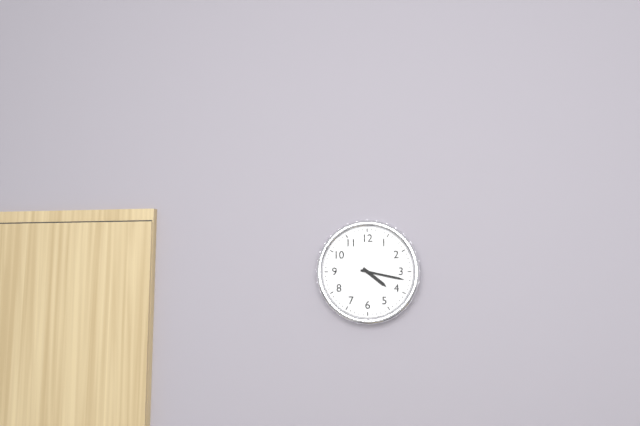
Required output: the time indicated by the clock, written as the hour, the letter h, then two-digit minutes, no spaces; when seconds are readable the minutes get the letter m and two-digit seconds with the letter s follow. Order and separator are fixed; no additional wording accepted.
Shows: 4h17
